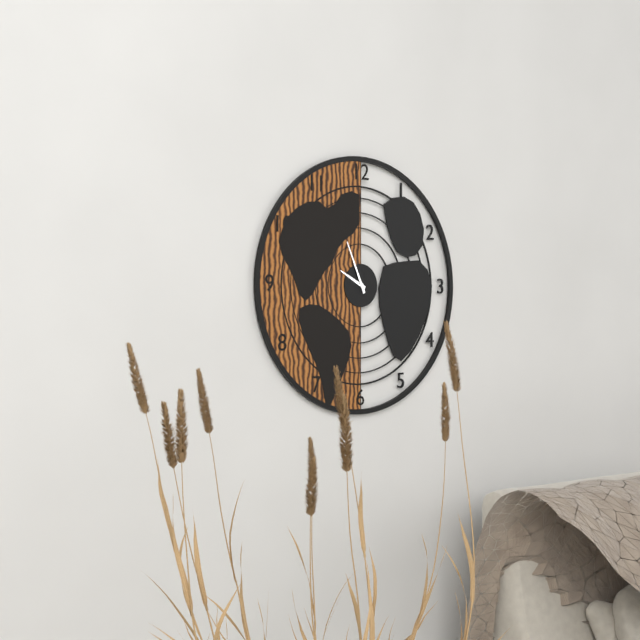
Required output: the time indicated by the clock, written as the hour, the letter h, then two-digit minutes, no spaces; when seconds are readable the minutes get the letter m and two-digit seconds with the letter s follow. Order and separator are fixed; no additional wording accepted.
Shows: 9h56
